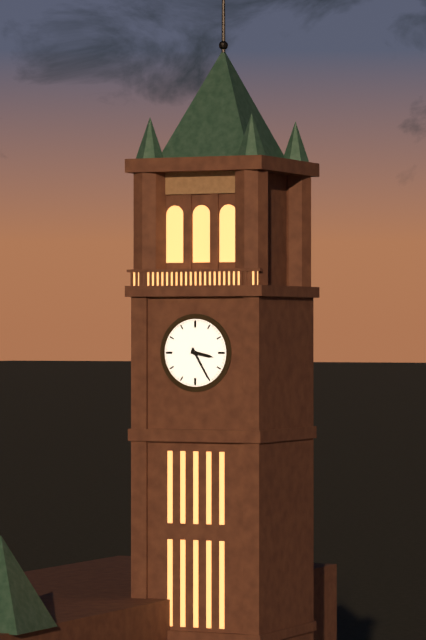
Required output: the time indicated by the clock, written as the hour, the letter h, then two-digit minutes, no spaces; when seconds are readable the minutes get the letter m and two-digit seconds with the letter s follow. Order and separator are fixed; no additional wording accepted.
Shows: 3h25
